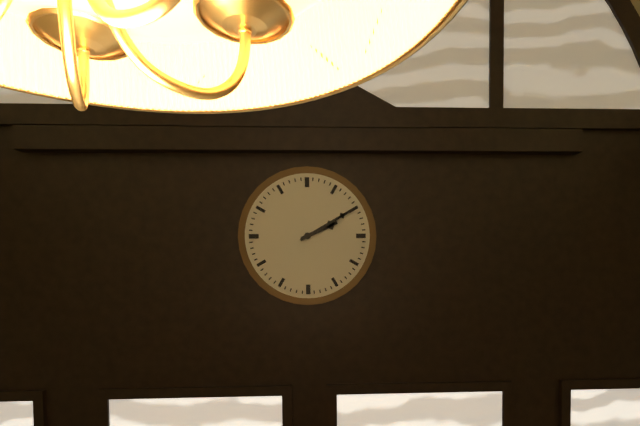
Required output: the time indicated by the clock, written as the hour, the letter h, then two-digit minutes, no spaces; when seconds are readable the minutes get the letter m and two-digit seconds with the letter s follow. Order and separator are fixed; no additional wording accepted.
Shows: 2h10
